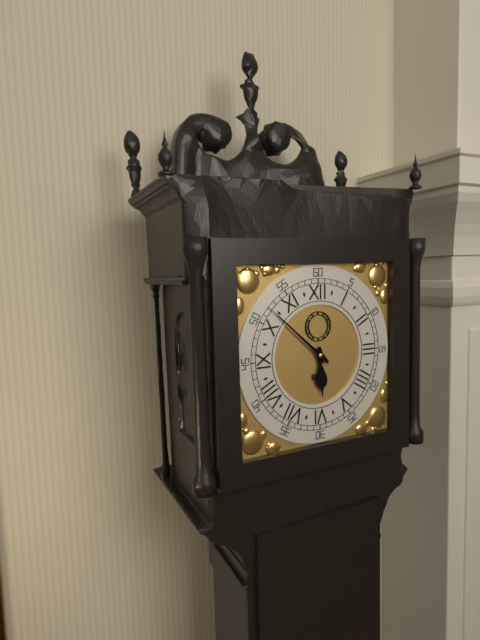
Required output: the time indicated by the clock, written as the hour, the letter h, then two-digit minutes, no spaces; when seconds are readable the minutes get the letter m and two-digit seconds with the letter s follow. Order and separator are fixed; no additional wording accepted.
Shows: 5h52
